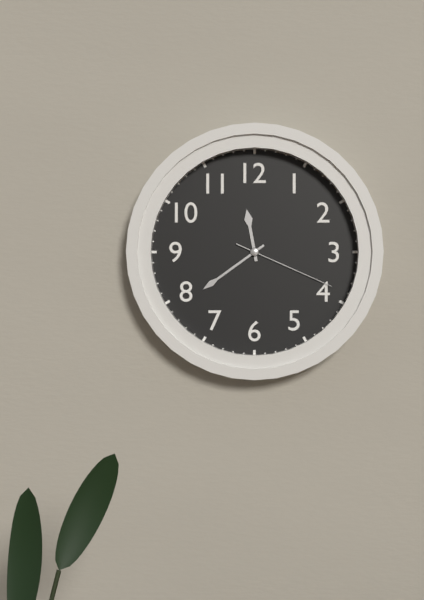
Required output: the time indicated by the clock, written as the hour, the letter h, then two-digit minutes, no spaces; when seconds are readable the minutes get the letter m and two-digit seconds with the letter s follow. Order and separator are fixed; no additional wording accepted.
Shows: 11h39m19s
